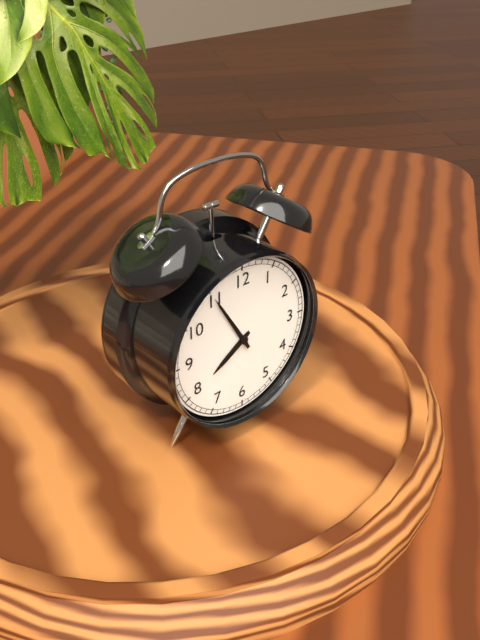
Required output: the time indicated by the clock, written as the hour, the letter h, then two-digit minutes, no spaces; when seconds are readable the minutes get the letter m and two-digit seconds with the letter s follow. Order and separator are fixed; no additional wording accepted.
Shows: 7h55
